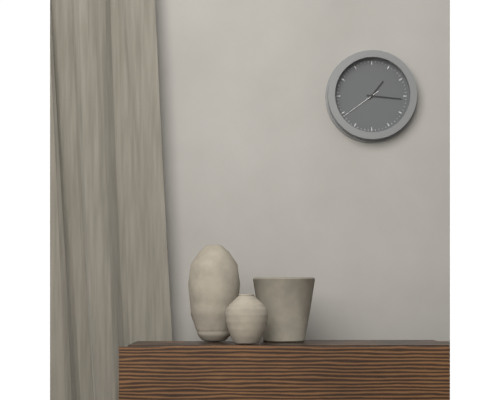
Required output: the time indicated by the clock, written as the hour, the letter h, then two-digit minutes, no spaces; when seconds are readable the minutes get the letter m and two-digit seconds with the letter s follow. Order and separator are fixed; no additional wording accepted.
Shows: 1h16
